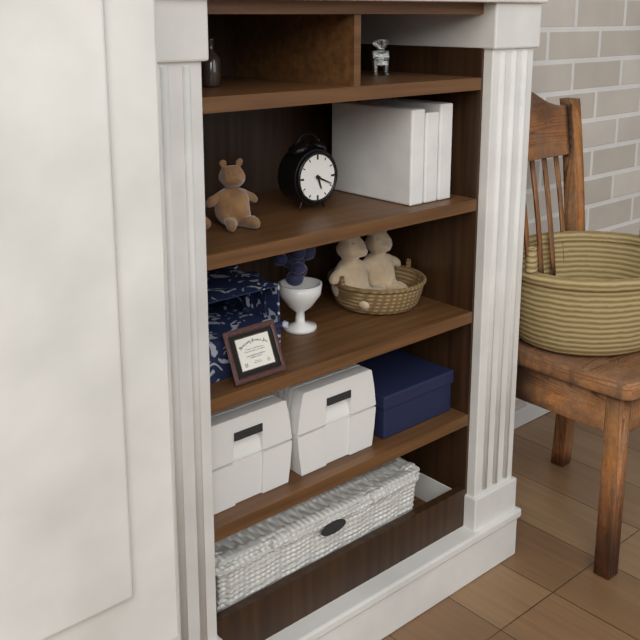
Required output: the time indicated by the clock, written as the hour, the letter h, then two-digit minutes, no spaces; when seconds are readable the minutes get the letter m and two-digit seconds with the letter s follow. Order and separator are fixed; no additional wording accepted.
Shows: 5h19
